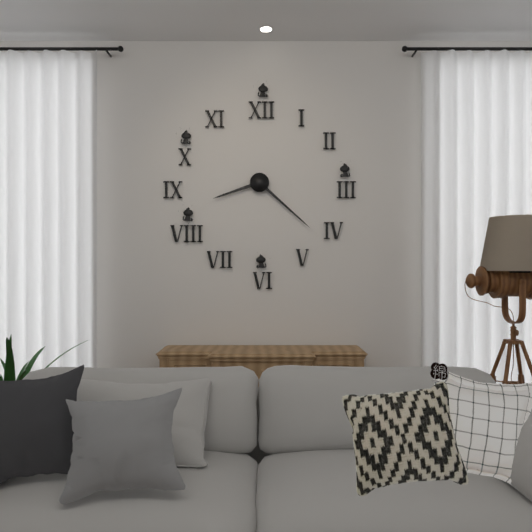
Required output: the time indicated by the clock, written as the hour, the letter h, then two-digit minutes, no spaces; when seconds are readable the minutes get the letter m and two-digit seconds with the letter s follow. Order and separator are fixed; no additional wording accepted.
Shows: 8h22
